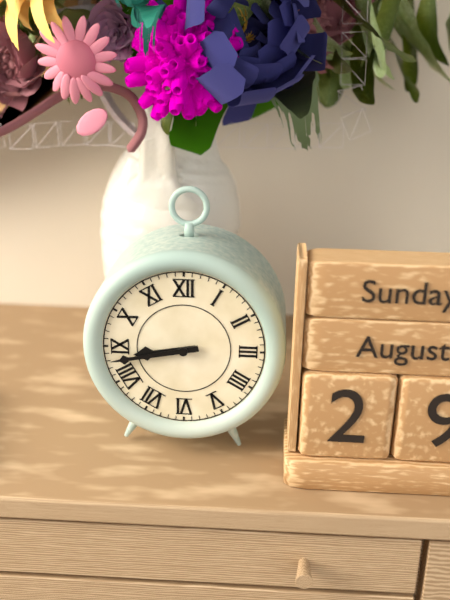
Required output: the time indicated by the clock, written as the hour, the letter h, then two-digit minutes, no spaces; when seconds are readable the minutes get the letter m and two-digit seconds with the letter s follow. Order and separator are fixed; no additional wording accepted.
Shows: 8h43
